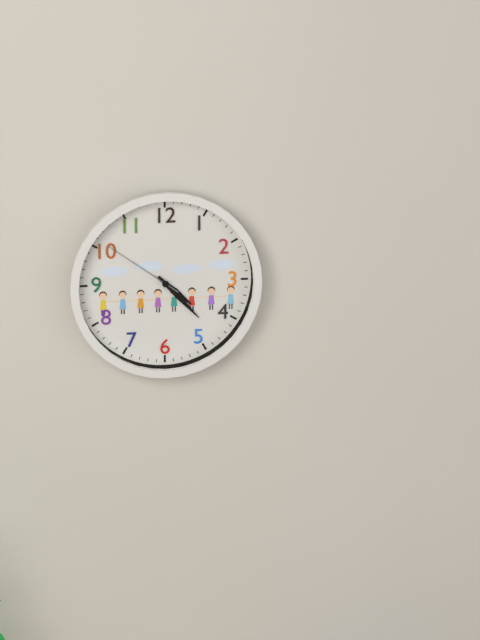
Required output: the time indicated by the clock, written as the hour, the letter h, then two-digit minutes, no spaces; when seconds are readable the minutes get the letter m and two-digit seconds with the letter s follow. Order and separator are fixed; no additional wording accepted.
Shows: 4h23m51s
